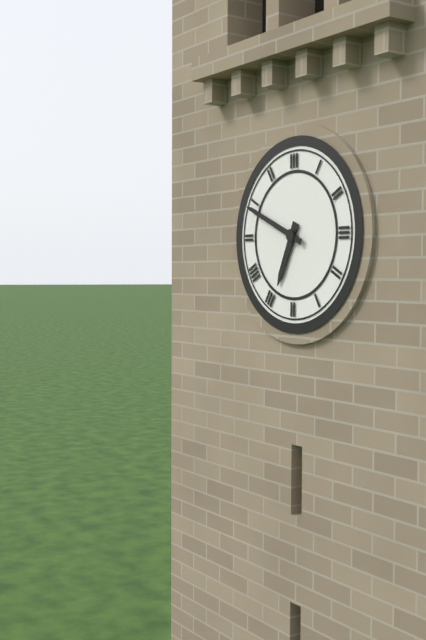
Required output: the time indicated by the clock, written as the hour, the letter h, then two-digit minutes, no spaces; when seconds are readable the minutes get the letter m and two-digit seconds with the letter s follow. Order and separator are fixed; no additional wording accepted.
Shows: 6h49
